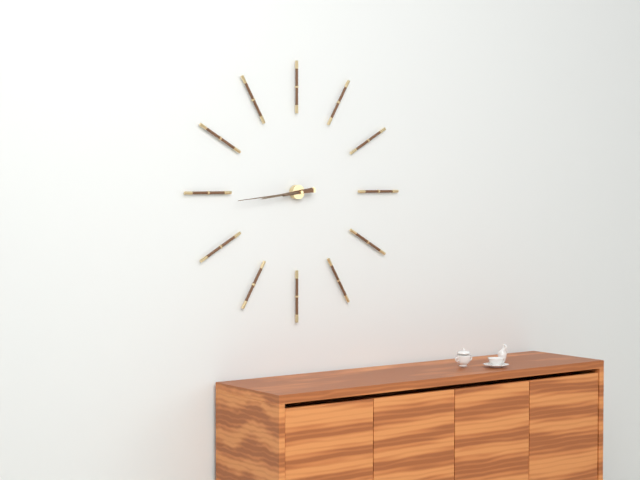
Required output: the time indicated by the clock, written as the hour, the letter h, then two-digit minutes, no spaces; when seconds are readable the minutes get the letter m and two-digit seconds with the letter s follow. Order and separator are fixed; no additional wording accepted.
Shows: 8h44
